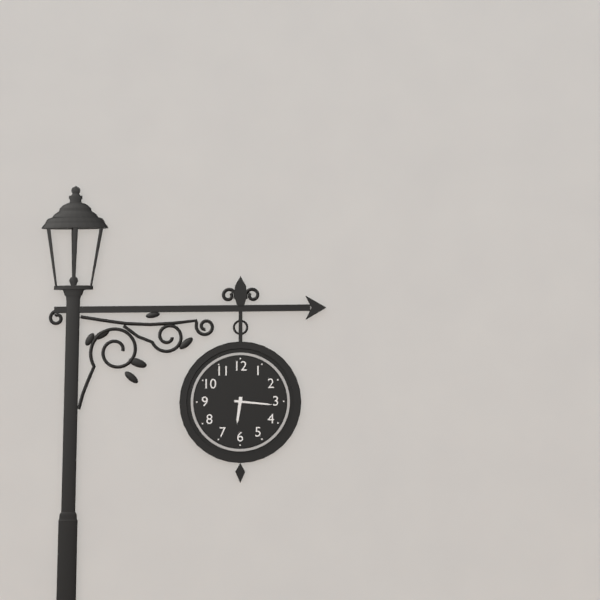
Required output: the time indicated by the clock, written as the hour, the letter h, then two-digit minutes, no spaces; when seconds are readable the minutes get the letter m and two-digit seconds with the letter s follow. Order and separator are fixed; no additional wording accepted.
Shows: 6h16
